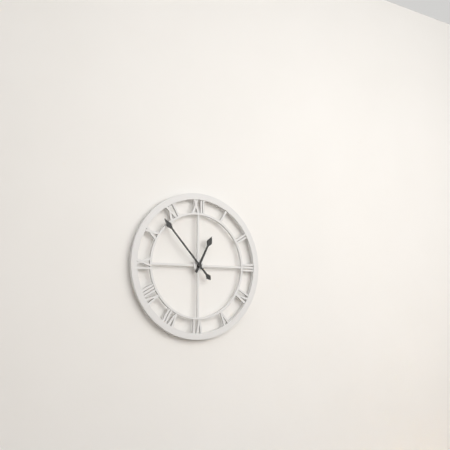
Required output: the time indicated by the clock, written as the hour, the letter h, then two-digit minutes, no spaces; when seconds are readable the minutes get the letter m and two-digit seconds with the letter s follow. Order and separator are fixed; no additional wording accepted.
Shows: 12h53
